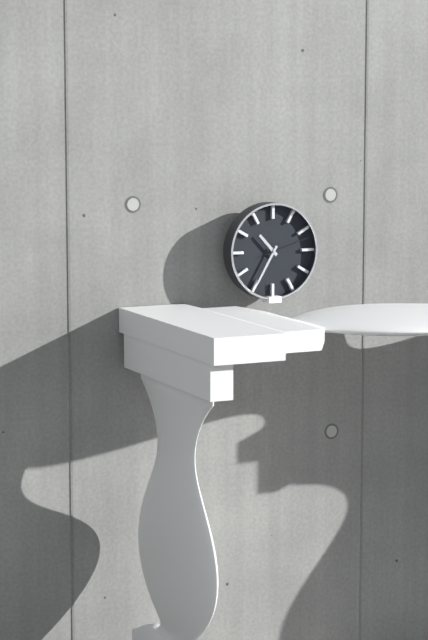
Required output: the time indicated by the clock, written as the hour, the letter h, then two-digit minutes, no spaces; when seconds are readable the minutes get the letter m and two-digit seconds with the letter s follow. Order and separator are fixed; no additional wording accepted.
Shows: 10h35
